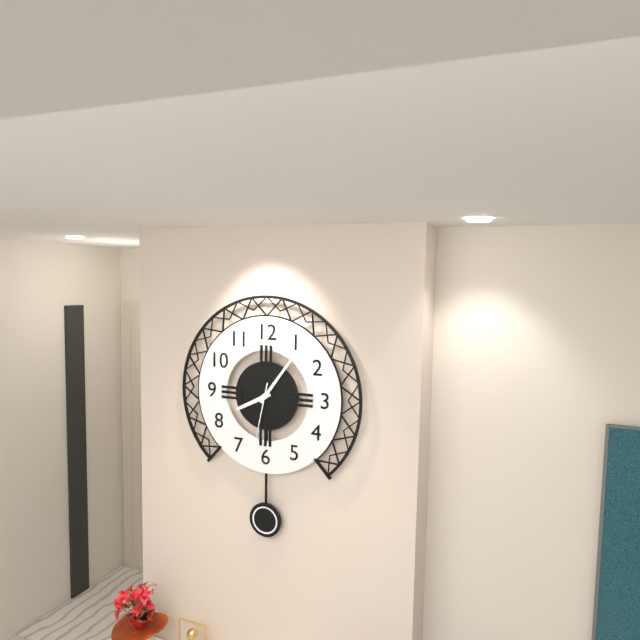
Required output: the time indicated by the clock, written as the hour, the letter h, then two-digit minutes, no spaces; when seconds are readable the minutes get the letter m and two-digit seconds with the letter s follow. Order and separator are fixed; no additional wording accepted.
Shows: 8h06m32s
